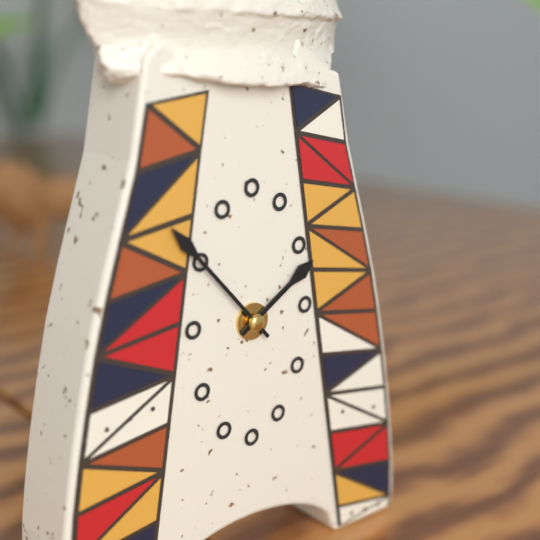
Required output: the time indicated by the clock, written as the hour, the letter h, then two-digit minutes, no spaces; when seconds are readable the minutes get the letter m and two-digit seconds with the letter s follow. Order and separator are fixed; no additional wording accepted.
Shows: 1h53
